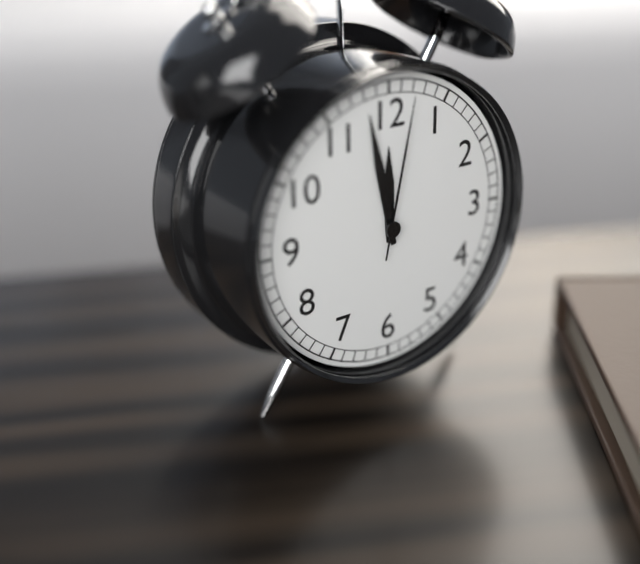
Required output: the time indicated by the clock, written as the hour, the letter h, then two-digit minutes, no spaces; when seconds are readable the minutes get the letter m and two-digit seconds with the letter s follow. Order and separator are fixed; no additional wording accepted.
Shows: 11h58m02s
